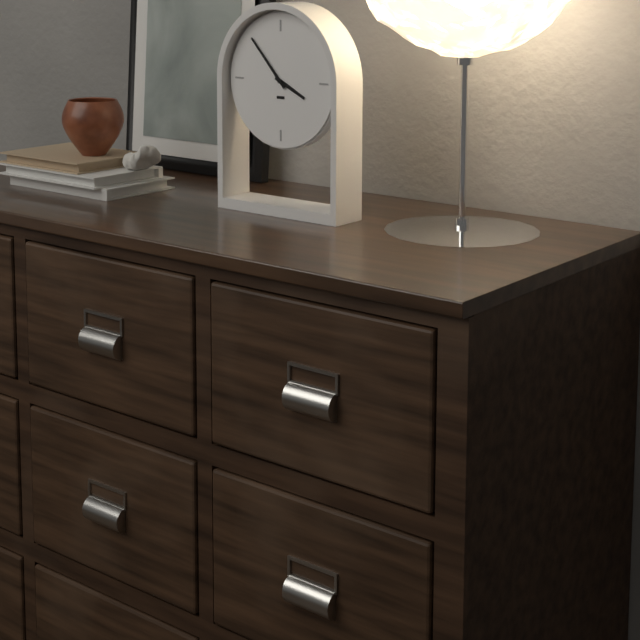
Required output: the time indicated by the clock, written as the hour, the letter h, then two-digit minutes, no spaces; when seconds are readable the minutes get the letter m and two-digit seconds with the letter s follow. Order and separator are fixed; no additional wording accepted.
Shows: 3h53
